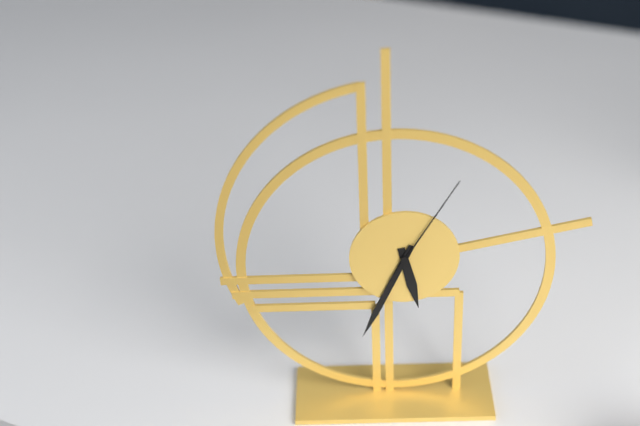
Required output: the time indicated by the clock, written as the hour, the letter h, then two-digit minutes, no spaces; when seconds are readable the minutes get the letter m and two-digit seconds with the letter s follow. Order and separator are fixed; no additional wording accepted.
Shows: 5h34m05s
